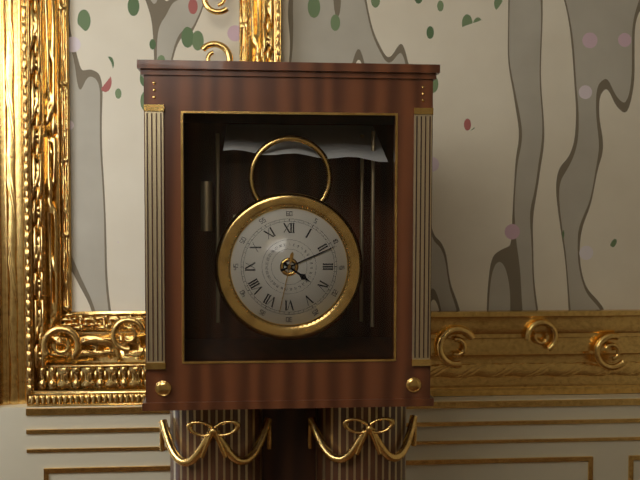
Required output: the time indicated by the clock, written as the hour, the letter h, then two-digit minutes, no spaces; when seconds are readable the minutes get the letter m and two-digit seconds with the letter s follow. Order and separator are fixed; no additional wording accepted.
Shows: 4h11m32s
